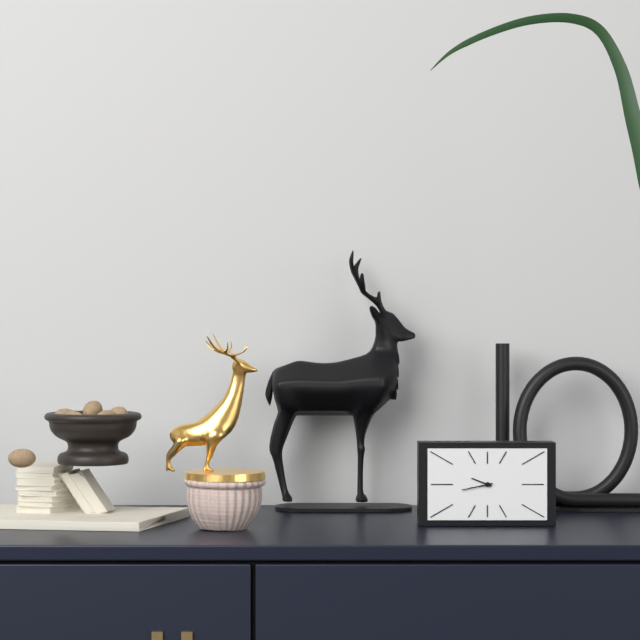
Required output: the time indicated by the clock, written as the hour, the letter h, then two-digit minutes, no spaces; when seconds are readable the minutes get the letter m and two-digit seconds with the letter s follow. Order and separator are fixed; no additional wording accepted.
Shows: 9h43
